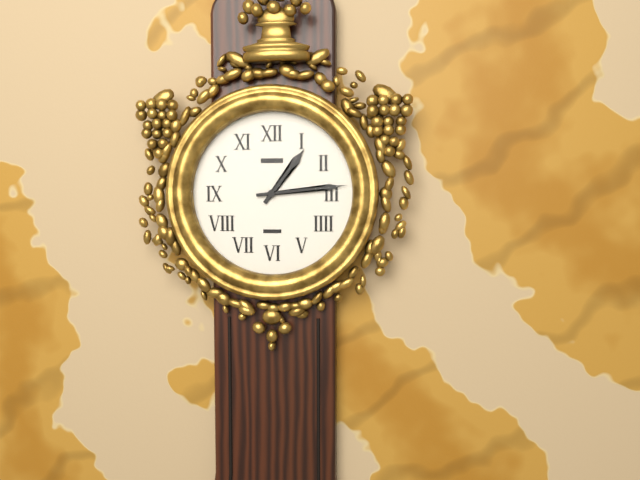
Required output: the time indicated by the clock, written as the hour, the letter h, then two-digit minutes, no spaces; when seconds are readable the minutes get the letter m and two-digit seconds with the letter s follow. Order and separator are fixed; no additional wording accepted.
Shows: 1h14
